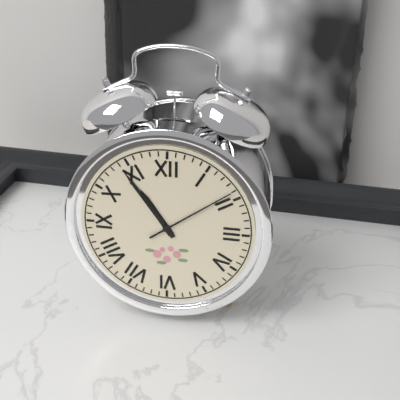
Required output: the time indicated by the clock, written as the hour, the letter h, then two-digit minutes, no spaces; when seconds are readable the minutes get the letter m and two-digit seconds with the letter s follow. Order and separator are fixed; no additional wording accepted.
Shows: 10h54m09s
